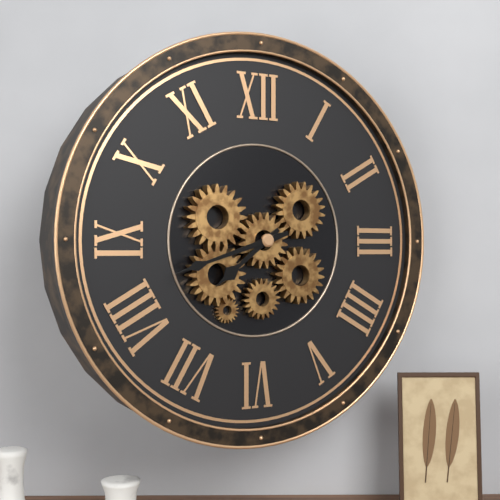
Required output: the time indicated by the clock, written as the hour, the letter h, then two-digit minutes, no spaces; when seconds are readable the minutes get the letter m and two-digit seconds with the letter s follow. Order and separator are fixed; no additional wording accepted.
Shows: 7h42
